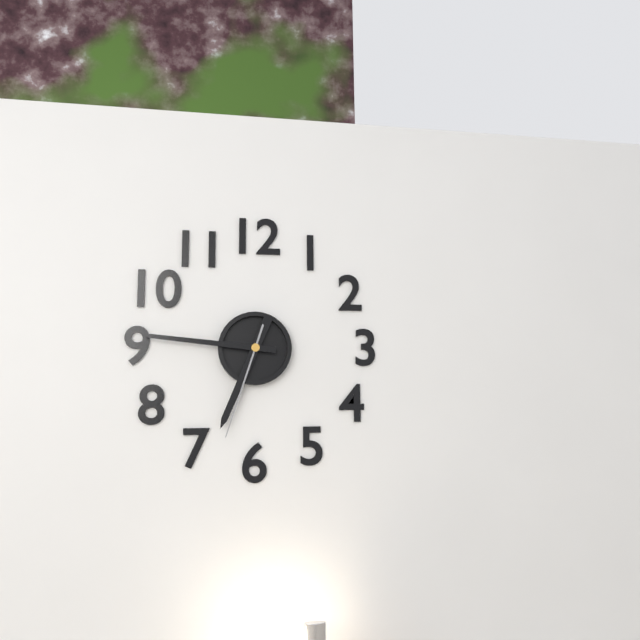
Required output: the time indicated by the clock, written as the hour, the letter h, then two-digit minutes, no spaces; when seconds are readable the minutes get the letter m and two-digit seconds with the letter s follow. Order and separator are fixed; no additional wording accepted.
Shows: 6h46m33s
